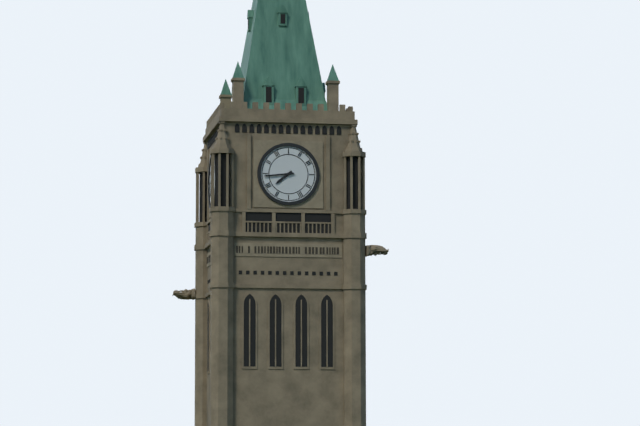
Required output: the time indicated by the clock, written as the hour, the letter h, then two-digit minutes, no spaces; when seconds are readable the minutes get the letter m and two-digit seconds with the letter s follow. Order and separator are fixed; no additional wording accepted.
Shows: 7h44
